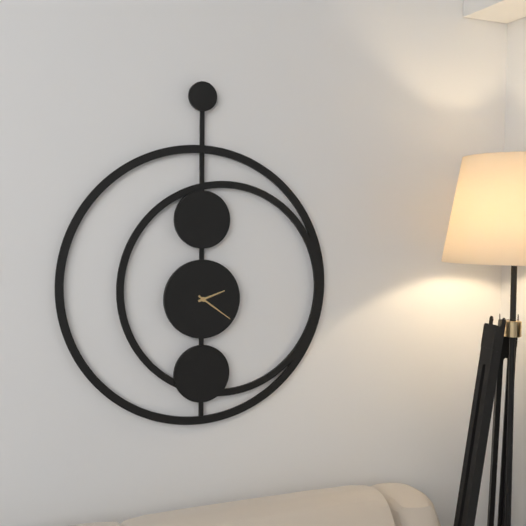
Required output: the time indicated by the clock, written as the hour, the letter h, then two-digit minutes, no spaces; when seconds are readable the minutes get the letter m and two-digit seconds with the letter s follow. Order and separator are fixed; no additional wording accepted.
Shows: 2h21
